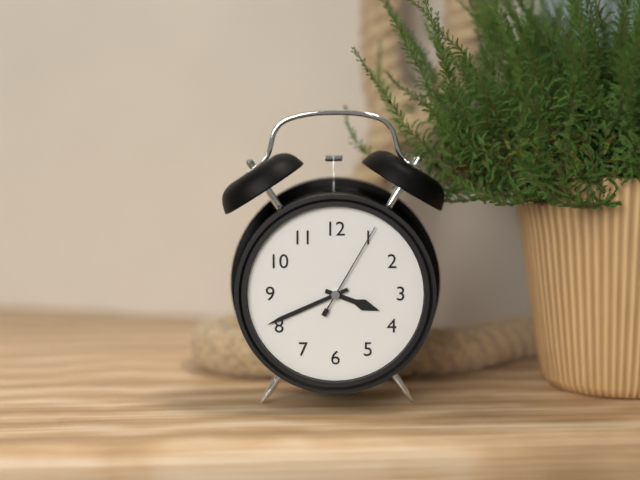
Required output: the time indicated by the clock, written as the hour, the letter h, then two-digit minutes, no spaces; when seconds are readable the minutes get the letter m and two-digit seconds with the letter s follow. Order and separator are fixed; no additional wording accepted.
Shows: 3h41m05s
